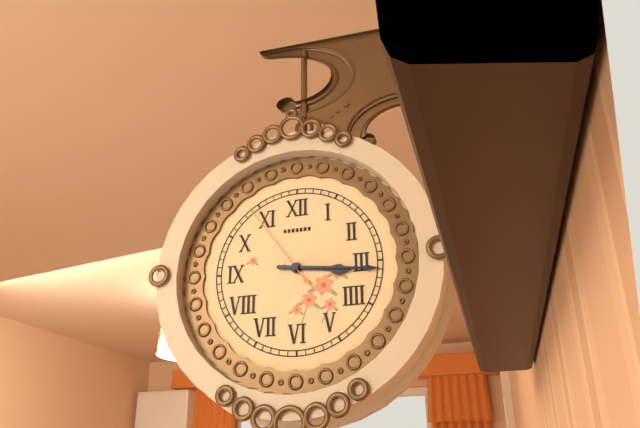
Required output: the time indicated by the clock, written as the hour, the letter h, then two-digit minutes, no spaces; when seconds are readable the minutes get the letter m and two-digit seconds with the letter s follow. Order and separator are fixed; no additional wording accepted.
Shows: 3h16m54s
